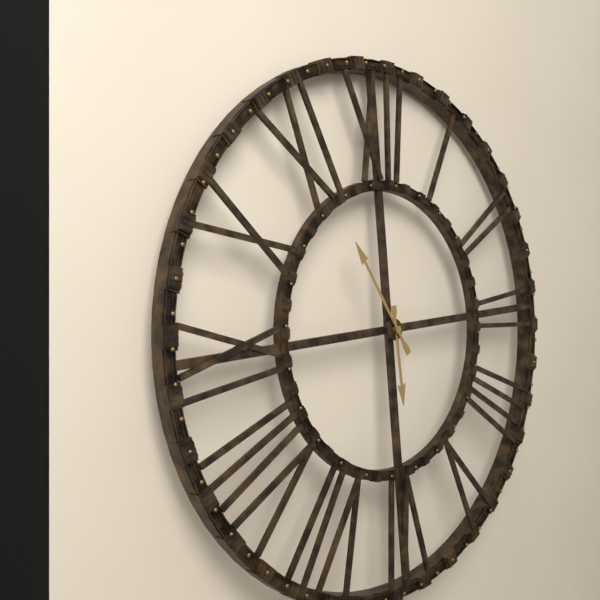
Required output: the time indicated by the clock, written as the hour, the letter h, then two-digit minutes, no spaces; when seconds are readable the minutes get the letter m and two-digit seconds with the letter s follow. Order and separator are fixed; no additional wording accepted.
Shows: 5h55
